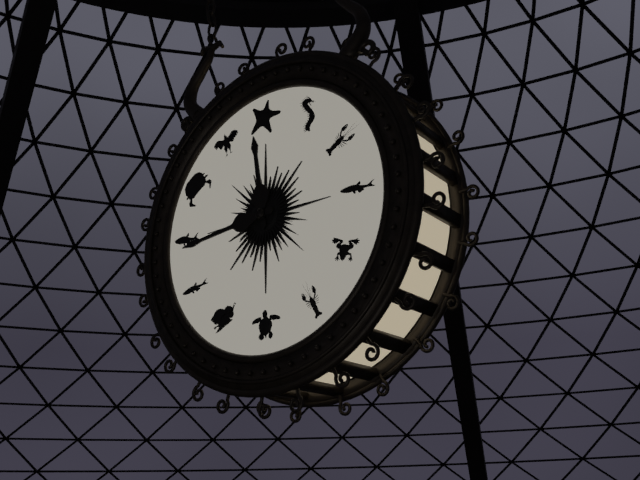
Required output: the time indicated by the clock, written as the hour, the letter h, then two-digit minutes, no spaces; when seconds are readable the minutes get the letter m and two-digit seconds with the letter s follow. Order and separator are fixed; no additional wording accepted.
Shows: 11h44
